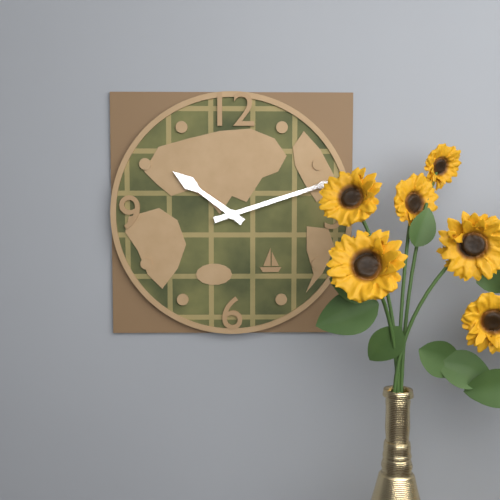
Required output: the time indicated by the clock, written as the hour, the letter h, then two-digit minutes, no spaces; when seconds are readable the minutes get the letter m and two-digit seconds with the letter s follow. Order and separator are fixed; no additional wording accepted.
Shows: 10h12
